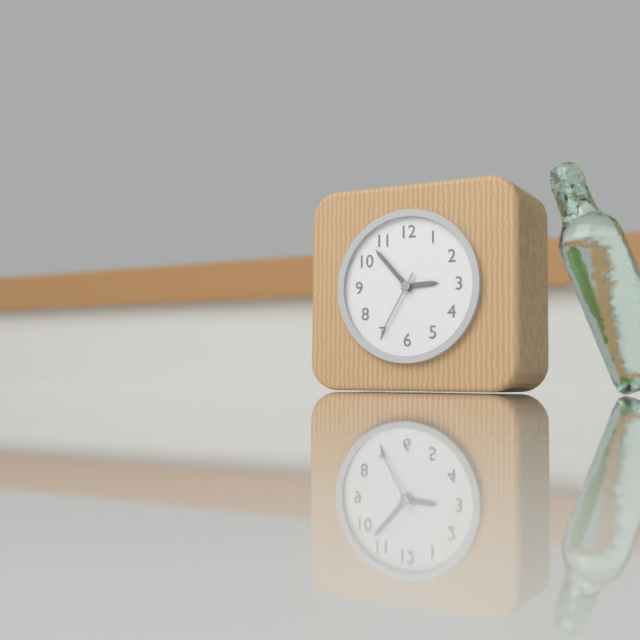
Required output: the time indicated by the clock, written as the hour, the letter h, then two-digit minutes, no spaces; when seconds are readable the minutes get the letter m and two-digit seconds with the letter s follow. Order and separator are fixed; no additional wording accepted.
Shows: 2h53m35s
